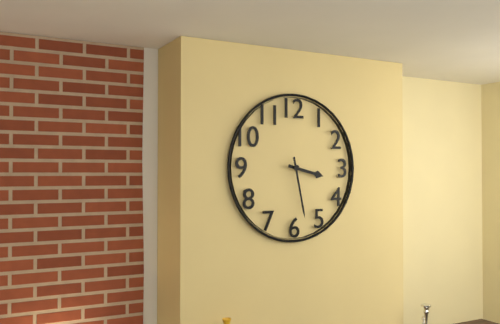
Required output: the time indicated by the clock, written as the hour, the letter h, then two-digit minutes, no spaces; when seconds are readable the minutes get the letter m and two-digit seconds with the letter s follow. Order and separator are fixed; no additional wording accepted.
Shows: 3h28
